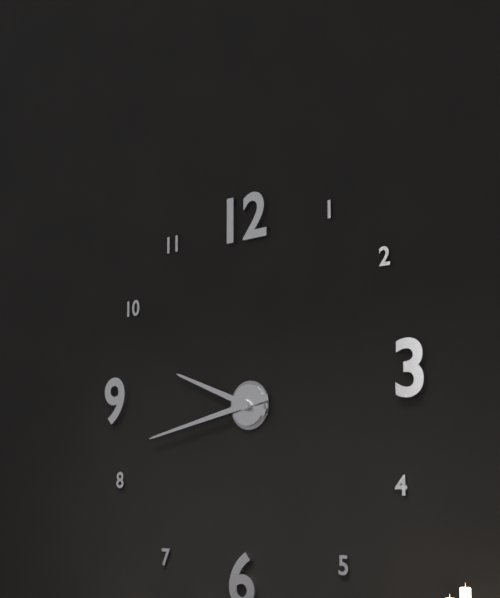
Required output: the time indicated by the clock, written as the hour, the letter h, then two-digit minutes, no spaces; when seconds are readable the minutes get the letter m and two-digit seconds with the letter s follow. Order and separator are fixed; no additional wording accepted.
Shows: 9h43
